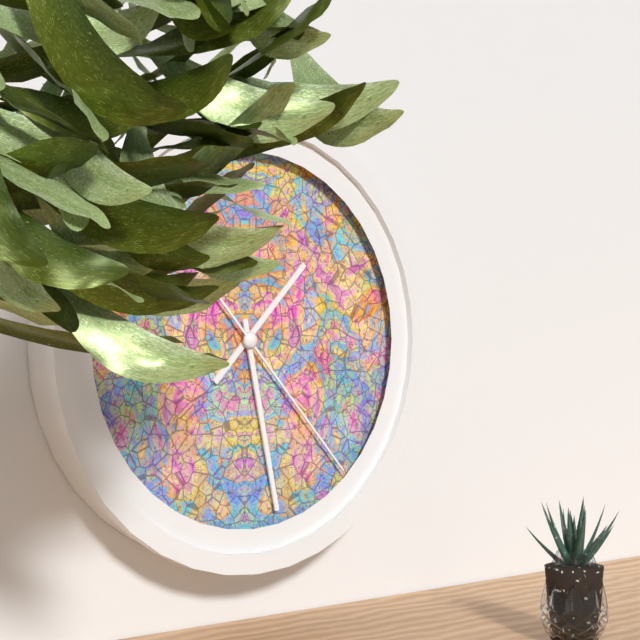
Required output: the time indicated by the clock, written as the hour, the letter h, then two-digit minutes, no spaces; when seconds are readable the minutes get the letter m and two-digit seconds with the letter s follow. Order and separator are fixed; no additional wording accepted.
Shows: 1h28m23s
